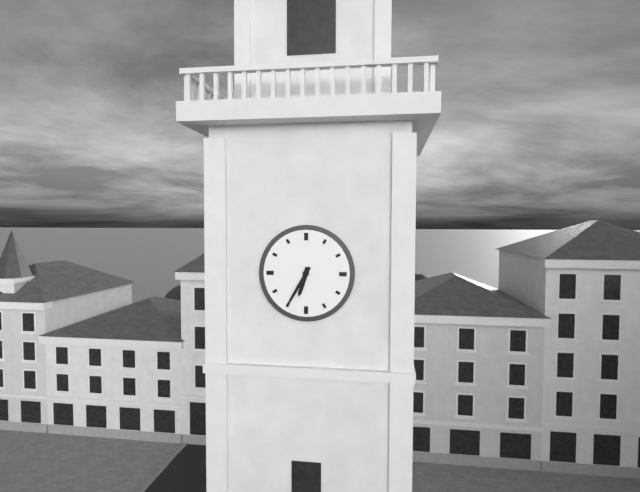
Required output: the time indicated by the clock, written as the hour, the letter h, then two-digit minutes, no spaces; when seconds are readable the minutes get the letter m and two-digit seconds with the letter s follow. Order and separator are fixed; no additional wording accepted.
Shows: 6h35
